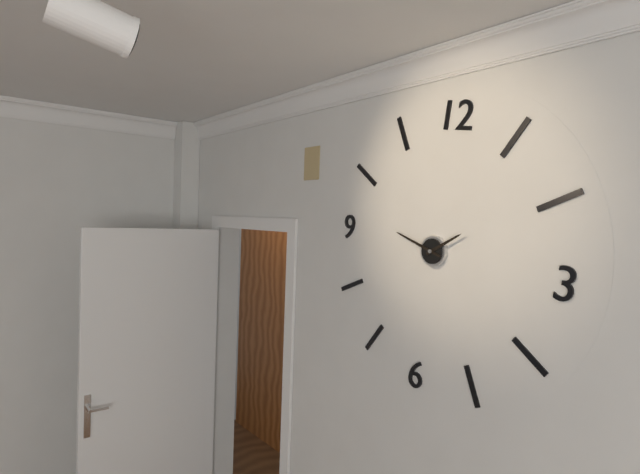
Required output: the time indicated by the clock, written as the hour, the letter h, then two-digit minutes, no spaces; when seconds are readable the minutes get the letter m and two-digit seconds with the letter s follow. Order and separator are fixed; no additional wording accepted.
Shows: 1h47
